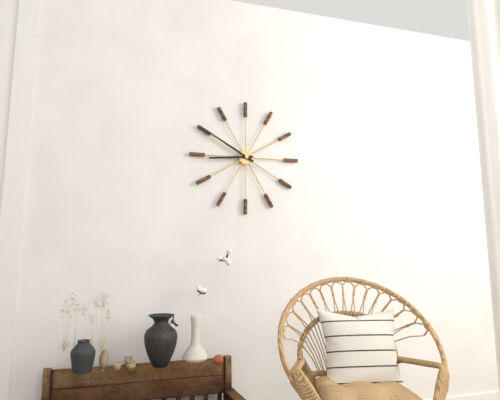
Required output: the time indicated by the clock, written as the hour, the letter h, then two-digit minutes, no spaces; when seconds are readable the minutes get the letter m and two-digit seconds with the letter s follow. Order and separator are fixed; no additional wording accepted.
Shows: 8h50
